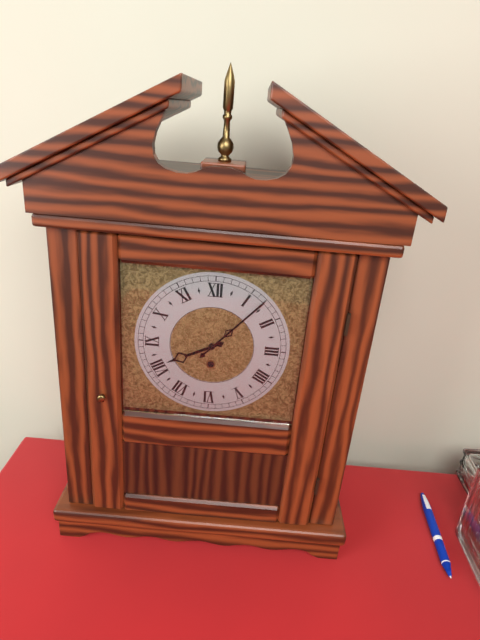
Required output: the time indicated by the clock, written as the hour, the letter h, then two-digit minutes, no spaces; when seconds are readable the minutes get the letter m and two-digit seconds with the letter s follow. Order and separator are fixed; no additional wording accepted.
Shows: 8h07
